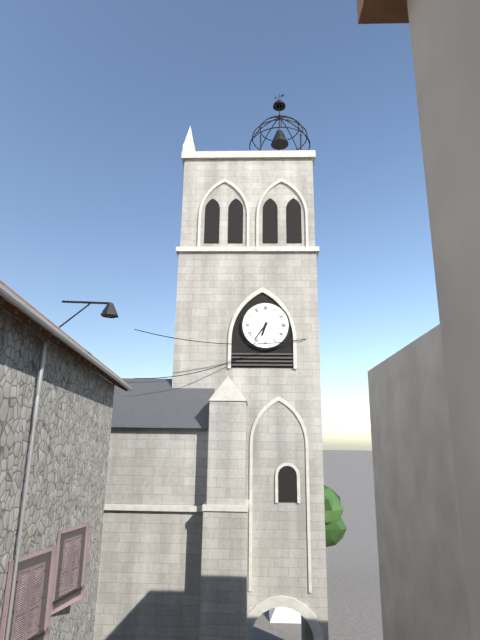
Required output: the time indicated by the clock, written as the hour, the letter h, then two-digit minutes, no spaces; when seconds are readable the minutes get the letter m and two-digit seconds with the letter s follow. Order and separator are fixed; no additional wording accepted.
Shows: 6h36
